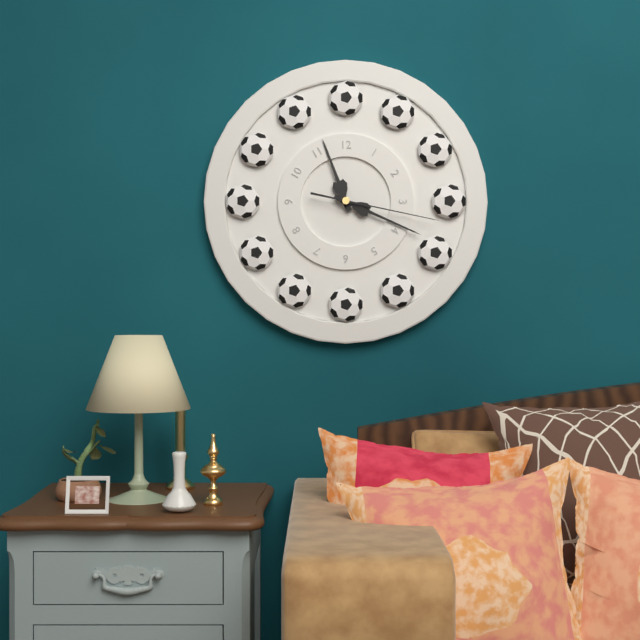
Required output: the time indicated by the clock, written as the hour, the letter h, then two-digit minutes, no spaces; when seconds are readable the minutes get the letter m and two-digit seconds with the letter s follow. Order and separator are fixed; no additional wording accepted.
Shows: 11h19m17s
